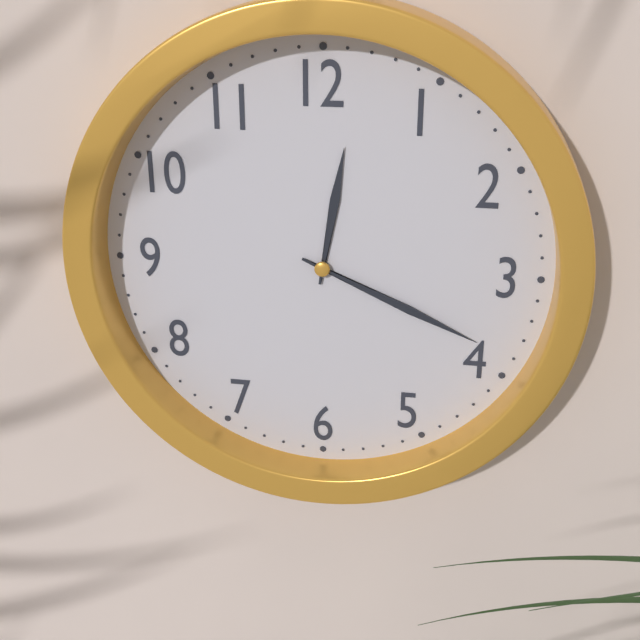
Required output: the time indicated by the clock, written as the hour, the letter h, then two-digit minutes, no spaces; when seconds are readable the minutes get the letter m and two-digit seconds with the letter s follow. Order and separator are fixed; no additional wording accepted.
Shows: 12h19
